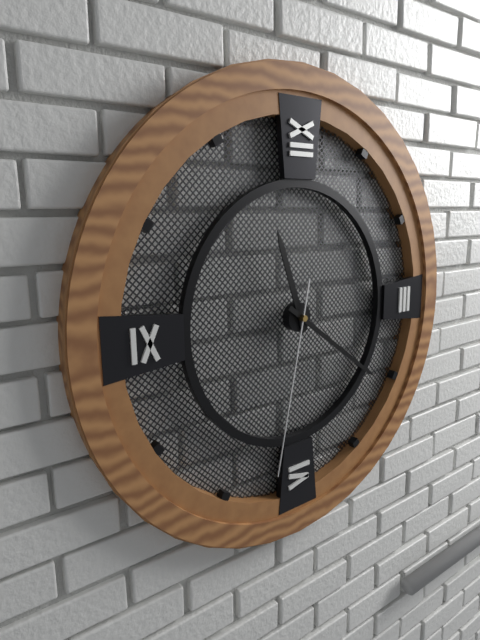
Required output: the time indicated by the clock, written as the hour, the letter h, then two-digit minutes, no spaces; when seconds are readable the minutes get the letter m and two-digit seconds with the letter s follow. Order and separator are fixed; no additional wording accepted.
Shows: 11h21m32s
